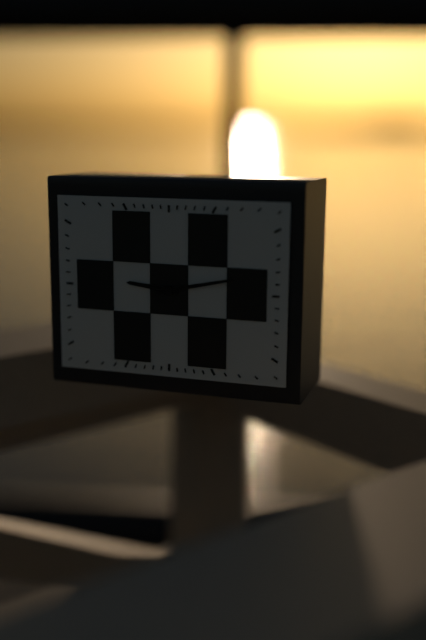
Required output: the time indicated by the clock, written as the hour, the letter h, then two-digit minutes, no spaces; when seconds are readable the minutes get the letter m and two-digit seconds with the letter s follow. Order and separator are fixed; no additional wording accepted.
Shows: 9h13
